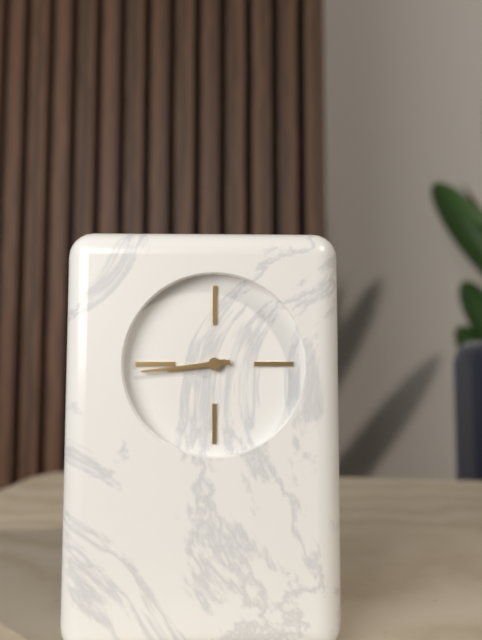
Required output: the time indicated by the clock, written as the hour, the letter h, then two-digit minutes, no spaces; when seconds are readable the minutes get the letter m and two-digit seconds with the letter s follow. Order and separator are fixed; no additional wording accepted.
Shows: 8h44
